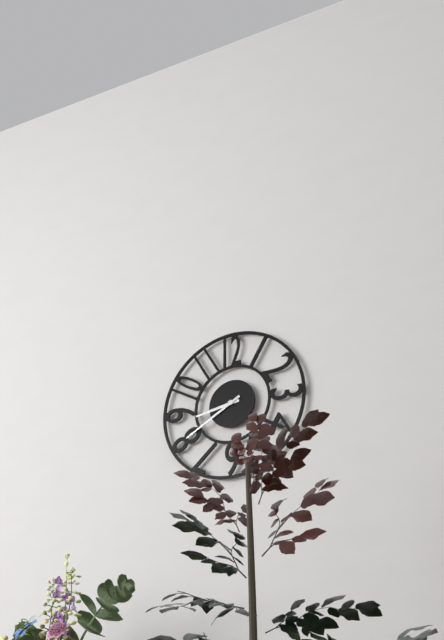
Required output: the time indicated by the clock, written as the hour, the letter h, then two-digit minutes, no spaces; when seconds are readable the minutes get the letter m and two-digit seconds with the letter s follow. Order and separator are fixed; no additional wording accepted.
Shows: 8h40
